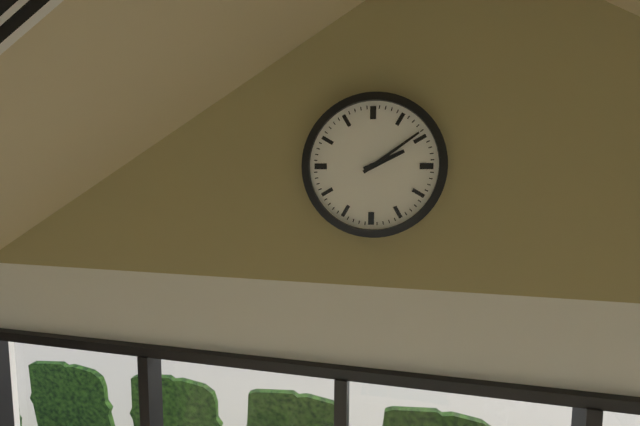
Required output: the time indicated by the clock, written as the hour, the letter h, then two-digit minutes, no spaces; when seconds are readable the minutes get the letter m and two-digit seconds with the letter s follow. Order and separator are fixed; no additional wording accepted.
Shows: 2h09
